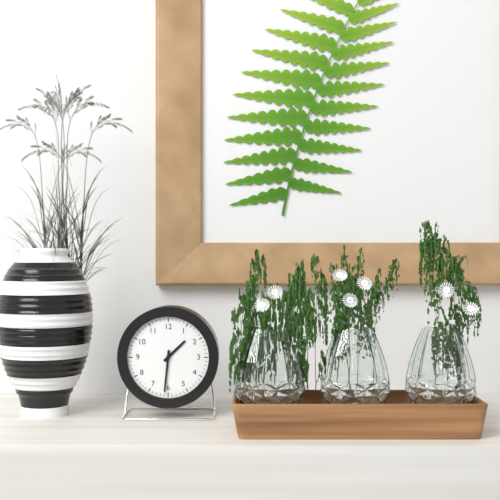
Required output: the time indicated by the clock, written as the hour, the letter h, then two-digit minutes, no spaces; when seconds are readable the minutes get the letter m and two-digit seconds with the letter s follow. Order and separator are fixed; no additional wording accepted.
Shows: 1h31
